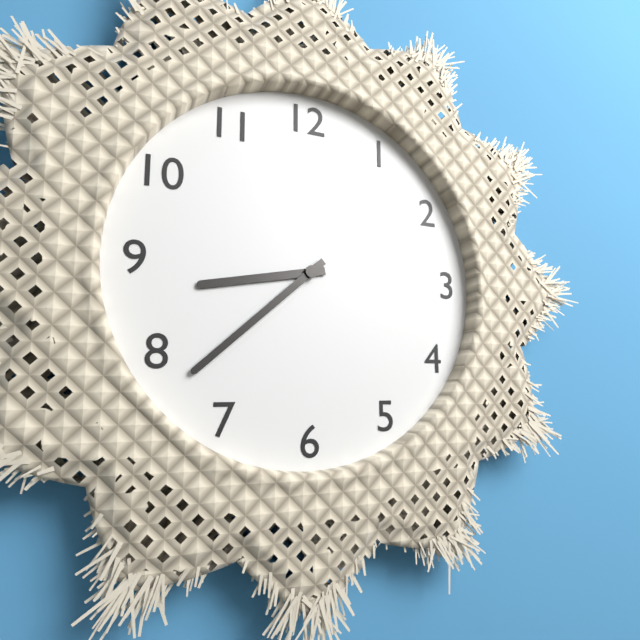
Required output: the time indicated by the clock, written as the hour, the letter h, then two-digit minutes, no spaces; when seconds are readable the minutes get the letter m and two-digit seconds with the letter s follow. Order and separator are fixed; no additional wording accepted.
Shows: 8h38
